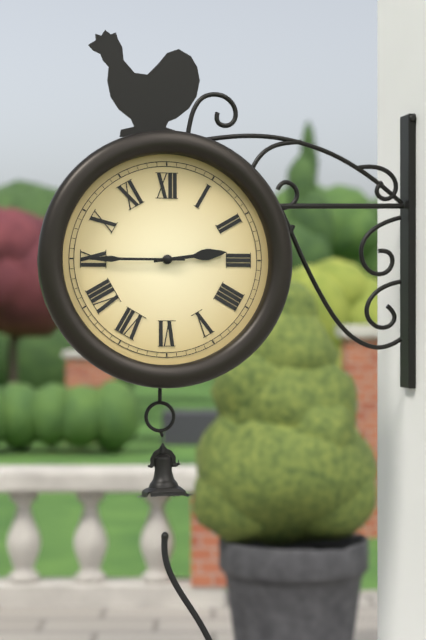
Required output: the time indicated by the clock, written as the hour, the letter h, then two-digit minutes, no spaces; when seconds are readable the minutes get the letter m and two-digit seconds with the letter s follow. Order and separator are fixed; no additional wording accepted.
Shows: 2h45
